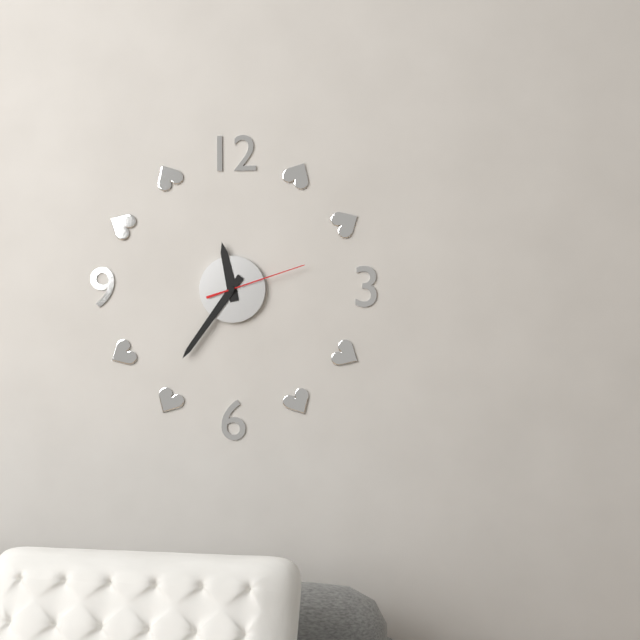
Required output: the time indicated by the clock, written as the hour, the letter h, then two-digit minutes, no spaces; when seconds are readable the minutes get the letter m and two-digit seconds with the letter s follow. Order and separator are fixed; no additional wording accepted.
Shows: 11h36m12s
